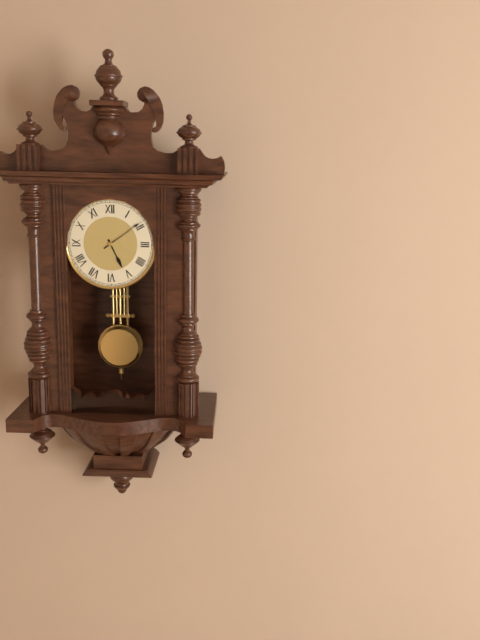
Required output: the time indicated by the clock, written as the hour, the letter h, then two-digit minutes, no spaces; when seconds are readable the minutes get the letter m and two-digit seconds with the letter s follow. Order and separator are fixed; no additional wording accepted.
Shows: 5h09
